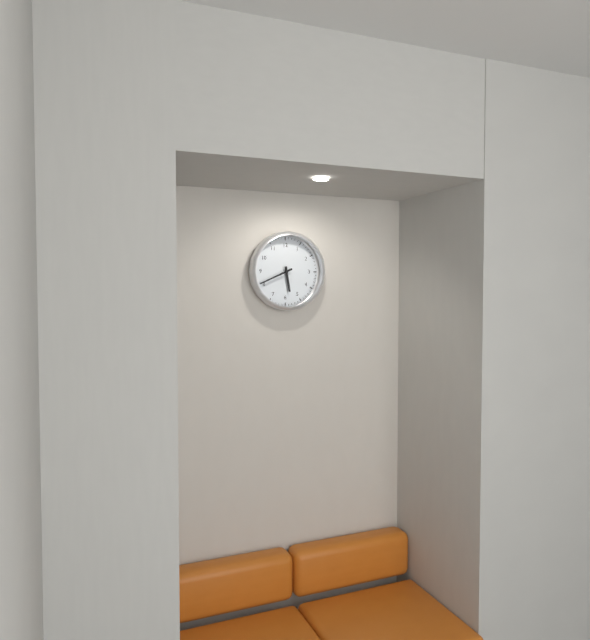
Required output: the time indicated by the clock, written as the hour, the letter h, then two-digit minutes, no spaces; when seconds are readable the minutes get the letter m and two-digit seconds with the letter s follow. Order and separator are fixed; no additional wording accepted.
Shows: 5h41
